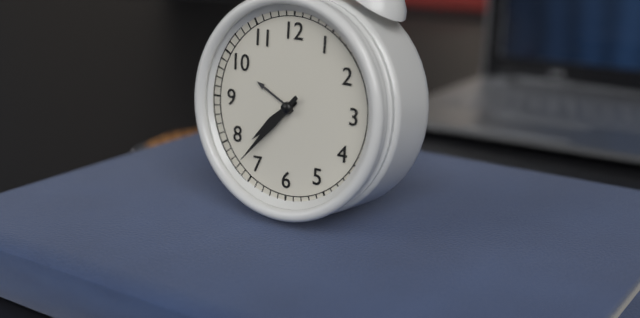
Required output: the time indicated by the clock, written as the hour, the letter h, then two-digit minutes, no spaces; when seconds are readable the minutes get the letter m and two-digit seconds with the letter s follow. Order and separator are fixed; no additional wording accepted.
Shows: 7h37
